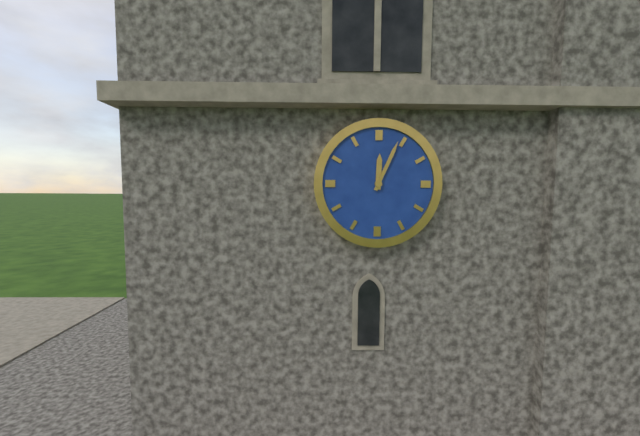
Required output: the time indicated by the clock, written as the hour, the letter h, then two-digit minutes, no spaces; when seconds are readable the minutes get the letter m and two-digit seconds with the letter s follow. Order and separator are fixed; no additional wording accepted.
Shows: 12h04
